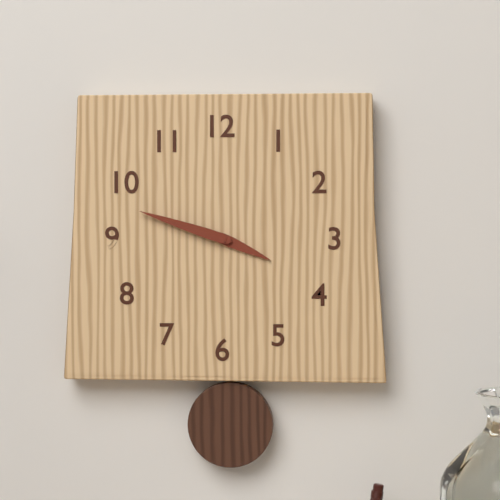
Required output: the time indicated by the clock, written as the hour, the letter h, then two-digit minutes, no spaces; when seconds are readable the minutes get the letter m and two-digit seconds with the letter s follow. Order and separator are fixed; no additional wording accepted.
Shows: 3h48
